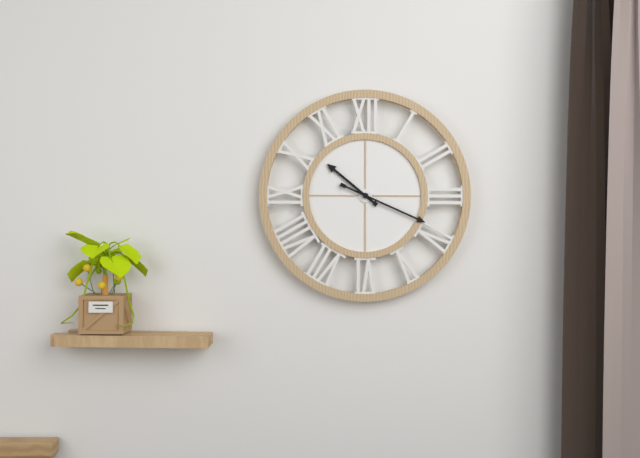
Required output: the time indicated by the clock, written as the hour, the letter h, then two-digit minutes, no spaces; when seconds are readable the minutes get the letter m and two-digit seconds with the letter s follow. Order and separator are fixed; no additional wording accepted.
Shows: 10h19
